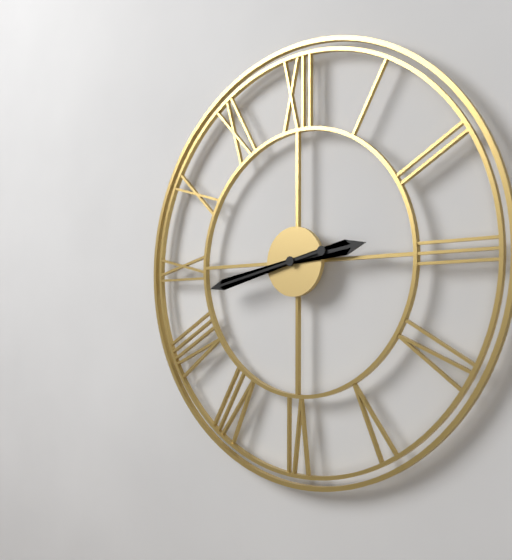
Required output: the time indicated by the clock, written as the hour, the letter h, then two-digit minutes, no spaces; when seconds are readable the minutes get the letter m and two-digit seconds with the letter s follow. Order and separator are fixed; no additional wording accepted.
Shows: 2h43
